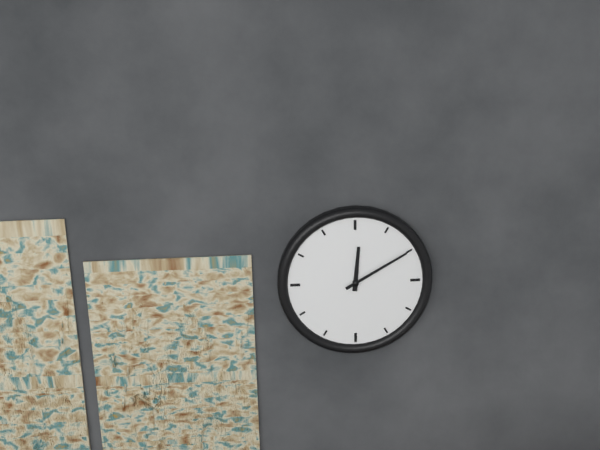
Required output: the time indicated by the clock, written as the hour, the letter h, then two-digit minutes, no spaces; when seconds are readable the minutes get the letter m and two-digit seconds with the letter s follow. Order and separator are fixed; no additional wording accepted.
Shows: 12h10
